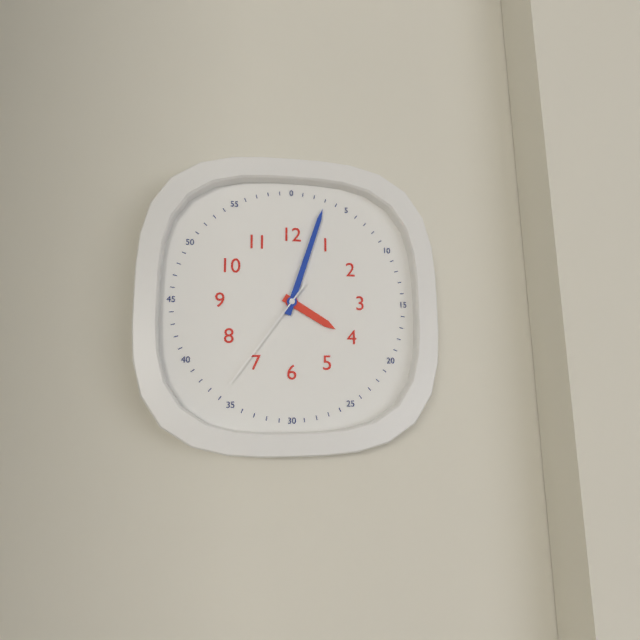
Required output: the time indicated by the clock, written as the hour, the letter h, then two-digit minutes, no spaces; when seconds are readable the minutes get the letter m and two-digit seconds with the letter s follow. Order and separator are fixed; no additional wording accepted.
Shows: 4h03m36s
